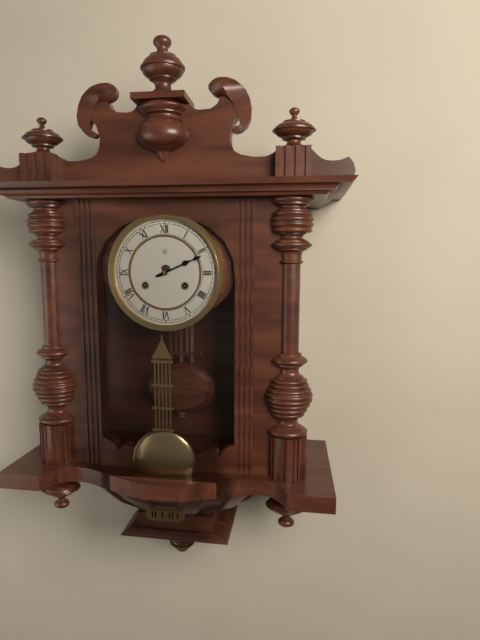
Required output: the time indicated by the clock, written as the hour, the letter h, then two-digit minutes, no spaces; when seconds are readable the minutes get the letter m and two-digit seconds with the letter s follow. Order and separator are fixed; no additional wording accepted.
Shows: 2h11
